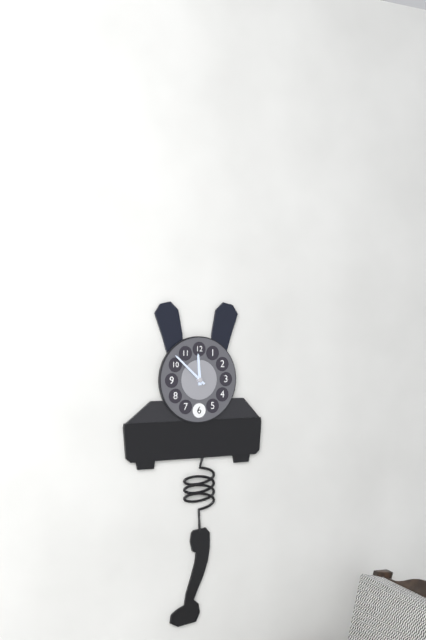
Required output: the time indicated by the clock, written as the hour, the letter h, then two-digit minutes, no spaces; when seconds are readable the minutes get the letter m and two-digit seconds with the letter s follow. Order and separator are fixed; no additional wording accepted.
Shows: 11h52
